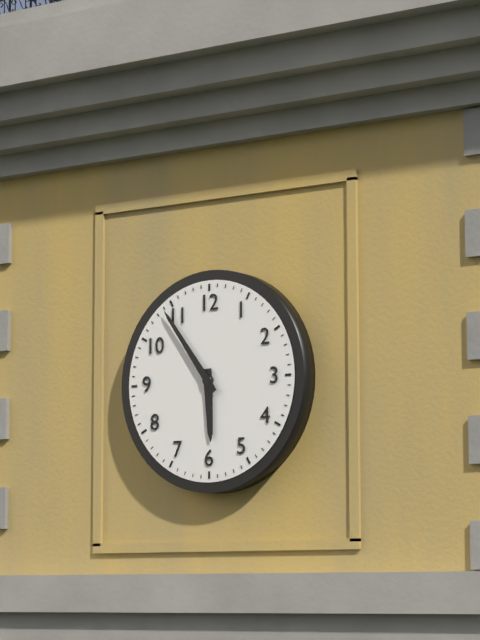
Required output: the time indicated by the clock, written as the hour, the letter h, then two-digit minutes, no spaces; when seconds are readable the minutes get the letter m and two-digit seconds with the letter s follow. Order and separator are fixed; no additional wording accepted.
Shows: 5h54
